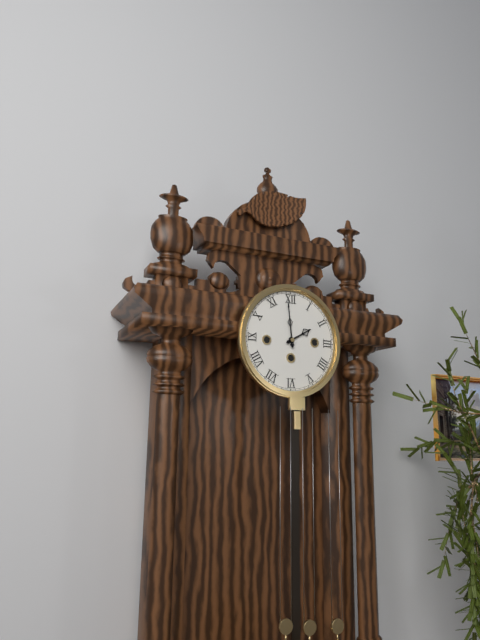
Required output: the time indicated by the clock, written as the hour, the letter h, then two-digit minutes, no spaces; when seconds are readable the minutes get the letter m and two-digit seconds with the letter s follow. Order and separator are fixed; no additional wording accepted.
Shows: 1h59
